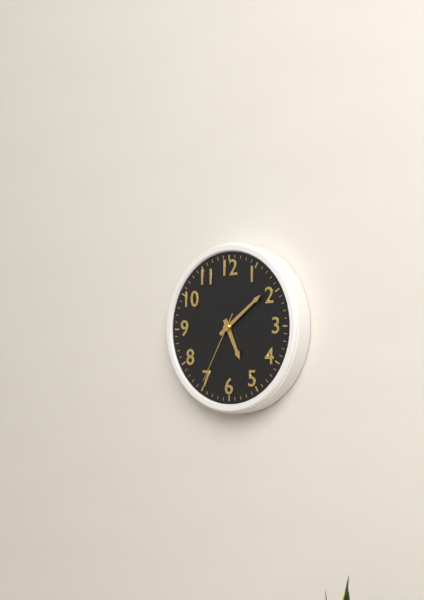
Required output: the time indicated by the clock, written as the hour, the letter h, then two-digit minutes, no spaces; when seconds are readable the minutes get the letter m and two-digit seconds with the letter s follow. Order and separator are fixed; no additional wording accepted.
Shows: 5h09m35s
